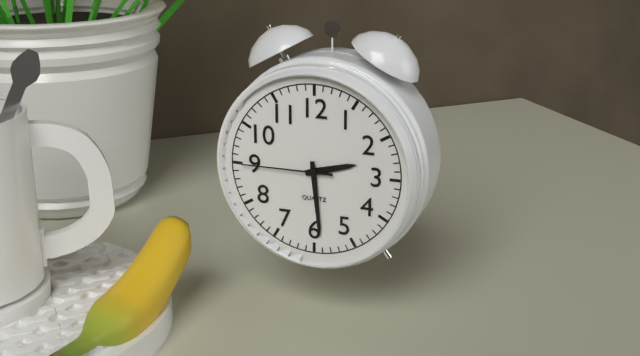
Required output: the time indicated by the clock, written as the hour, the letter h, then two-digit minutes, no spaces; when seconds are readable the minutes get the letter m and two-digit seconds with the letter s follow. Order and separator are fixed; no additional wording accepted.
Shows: 2h29m45s
